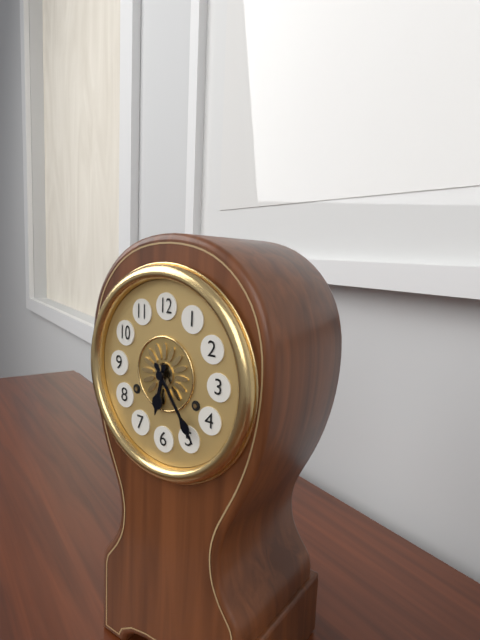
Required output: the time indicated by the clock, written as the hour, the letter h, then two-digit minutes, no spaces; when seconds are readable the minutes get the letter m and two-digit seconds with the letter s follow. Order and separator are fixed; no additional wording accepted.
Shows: 6h24
